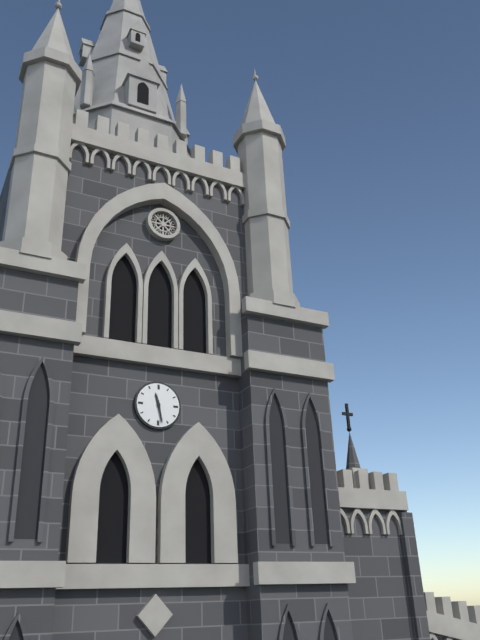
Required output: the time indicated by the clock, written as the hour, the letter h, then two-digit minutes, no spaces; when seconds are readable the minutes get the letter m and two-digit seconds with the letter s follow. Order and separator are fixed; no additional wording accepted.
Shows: 11h28
